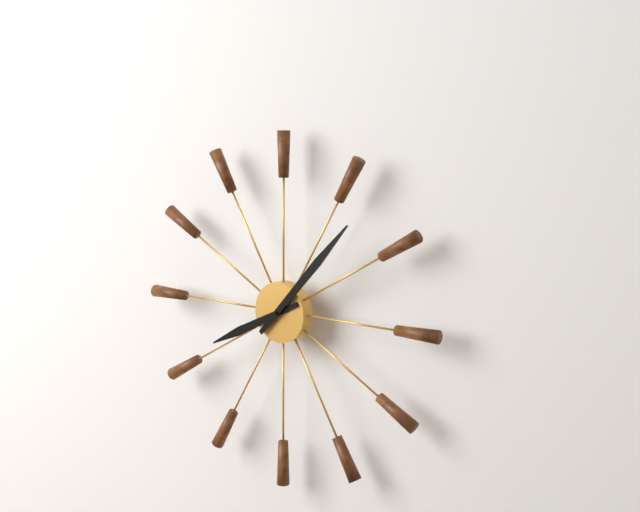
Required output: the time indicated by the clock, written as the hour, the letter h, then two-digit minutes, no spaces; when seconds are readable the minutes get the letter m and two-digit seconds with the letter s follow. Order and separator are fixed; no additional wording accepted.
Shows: 8h07
